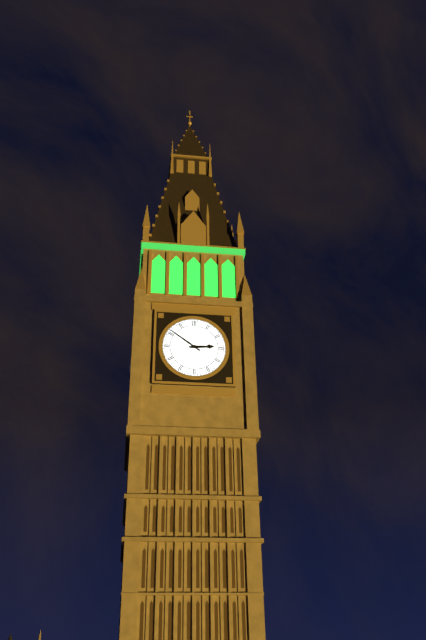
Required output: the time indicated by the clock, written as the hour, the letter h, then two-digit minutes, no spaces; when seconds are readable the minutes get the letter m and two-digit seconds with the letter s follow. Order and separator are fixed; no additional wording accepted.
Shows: 2h51
